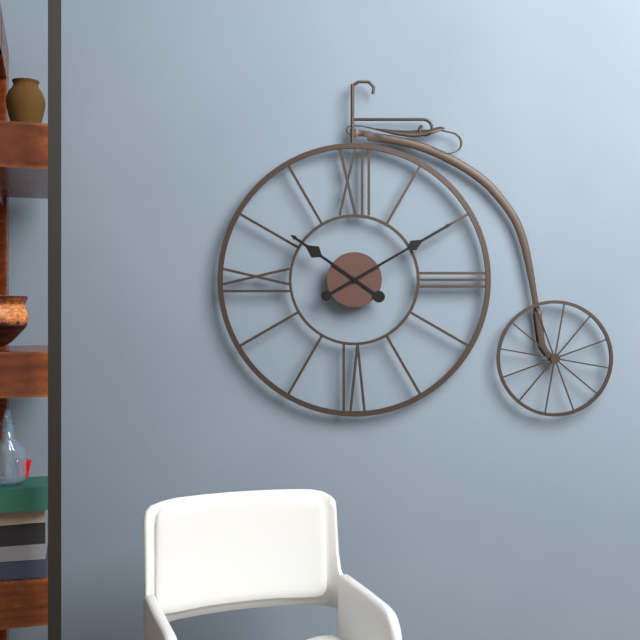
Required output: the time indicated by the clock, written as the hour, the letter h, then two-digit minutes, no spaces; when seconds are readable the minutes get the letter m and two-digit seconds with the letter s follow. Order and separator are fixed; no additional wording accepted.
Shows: 10h10
